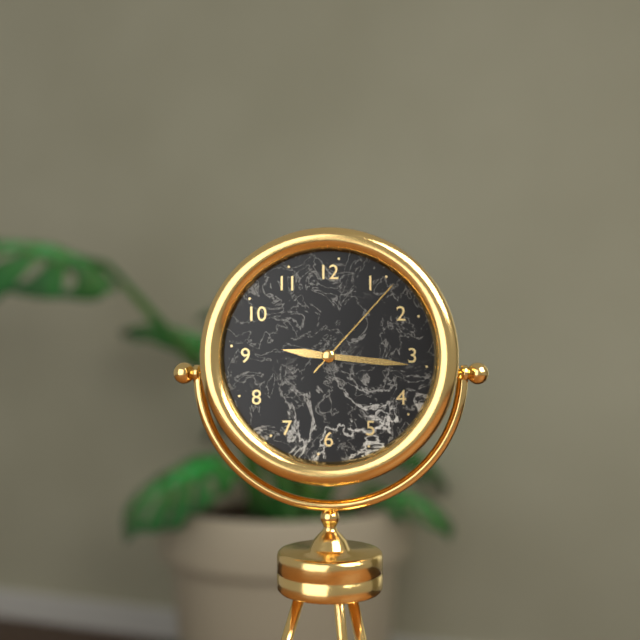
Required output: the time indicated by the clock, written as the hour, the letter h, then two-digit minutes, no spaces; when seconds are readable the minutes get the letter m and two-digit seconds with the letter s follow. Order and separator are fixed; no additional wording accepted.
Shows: 9h16m07s
